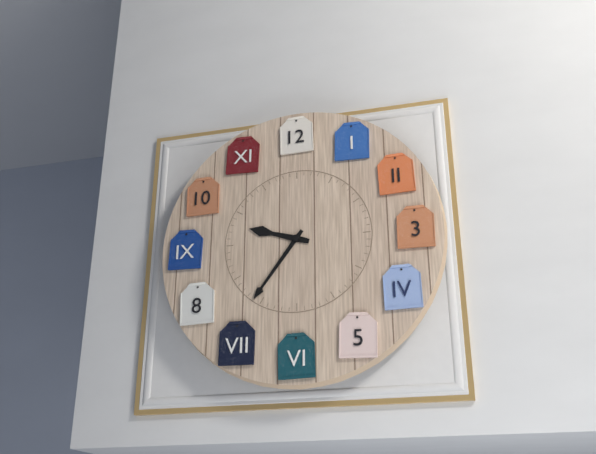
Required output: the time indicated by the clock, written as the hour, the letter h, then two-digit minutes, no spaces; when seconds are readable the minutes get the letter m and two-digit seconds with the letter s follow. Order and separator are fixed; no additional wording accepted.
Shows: 9h36
